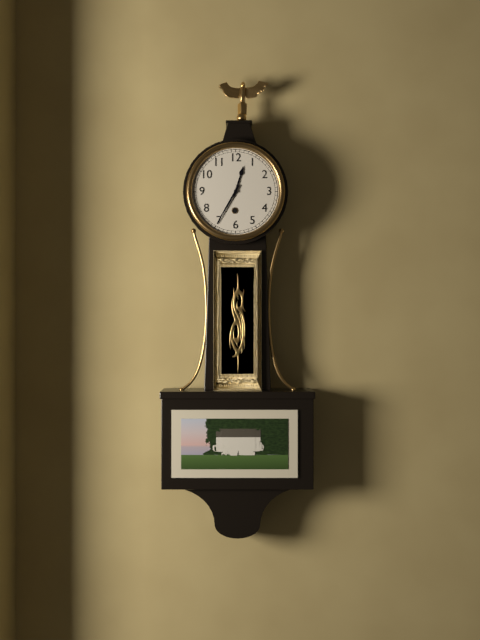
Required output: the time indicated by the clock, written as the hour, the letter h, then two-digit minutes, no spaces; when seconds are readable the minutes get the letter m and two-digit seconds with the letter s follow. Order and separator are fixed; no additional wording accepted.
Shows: 12h35
